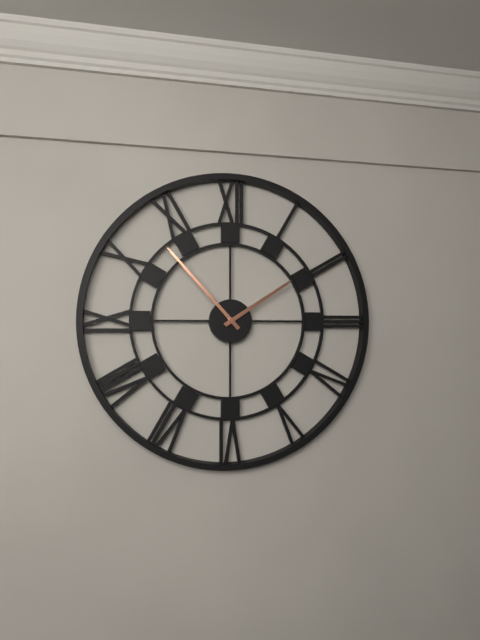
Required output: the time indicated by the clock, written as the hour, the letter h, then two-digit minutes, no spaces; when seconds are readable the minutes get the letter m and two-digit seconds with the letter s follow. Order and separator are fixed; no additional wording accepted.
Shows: 1h53
